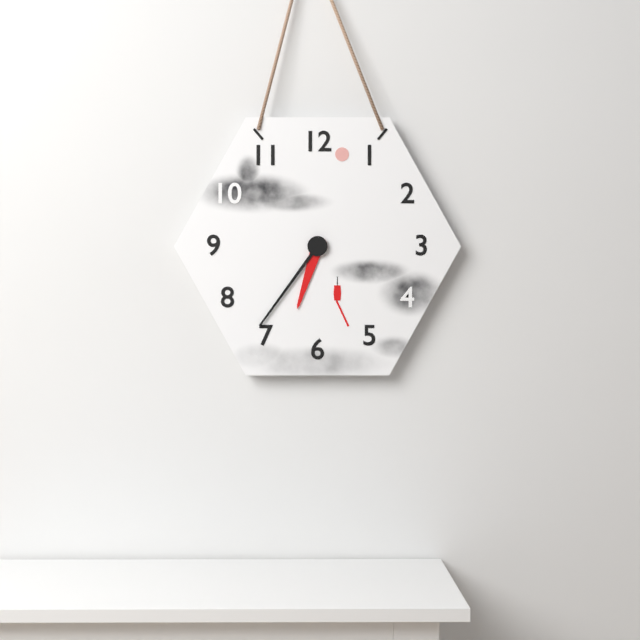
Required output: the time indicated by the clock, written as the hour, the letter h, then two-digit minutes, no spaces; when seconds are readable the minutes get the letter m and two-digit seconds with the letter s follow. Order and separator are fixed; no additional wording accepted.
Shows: 6h36
